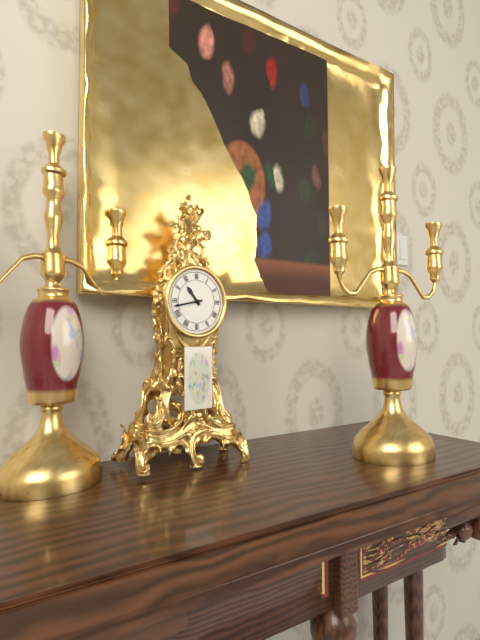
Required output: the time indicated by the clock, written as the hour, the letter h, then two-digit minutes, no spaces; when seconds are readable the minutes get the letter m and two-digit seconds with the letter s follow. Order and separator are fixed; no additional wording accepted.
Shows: 10h43
